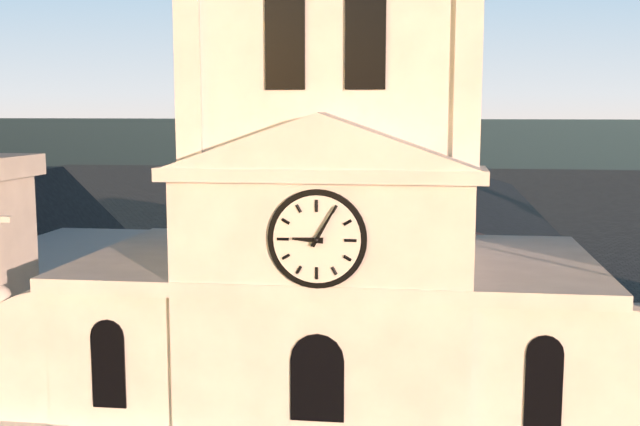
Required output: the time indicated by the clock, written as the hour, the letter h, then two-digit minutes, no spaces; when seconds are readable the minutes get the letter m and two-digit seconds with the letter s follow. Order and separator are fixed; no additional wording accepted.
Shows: 9h05
